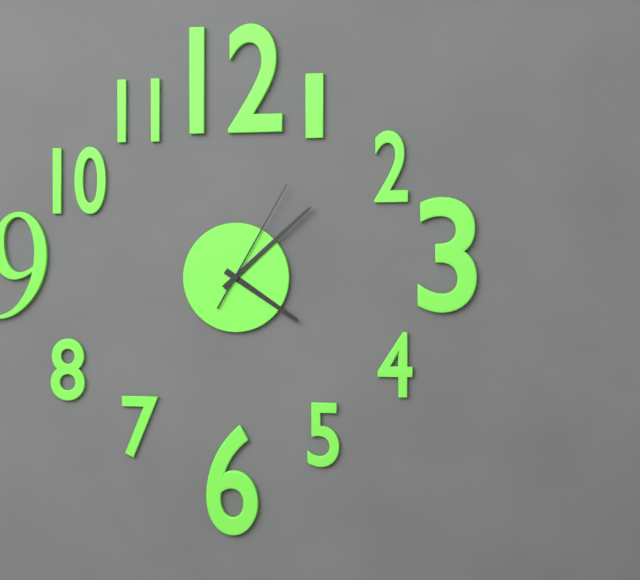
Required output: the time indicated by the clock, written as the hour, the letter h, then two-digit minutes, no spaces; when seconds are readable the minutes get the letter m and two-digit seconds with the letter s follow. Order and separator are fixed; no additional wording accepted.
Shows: 4h08m05s
